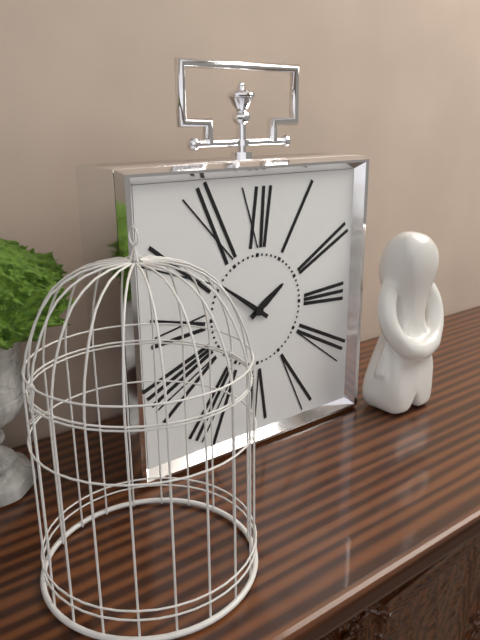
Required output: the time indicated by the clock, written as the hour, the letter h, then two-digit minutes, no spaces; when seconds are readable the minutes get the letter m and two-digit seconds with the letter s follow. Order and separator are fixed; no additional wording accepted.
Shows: 1h51
